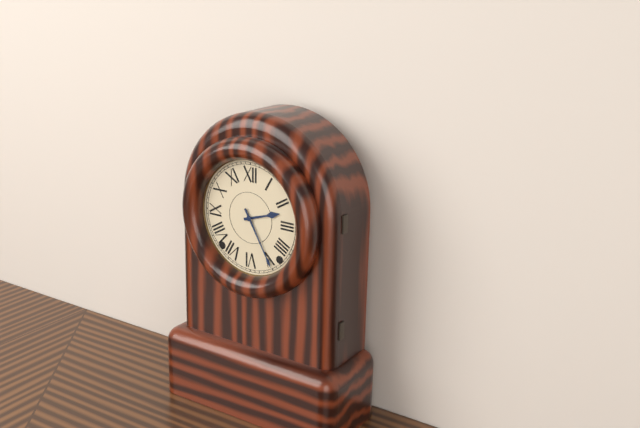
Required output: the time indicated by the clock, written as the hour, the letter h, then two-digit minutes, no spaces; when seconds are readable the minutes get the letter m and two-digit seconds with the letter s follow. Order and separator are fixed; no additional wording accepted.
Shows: 2h25
